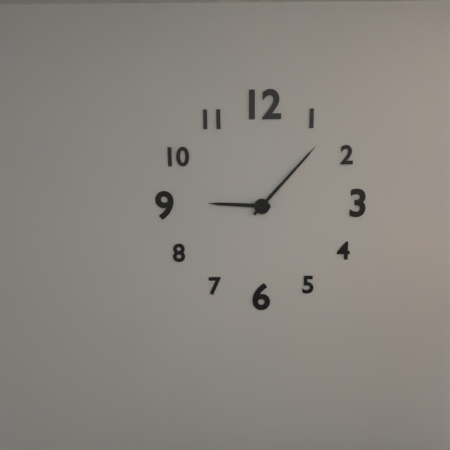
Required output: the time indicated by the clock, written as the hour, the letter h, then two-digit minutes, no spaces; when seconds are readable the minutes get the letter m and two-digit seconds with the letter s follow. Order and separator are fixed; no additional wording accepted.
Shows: 9h07
